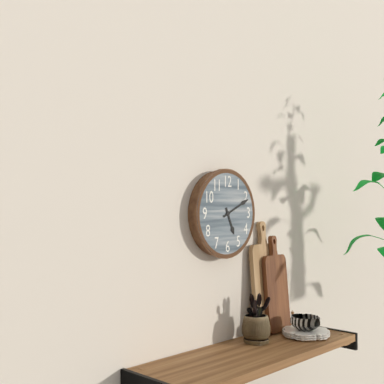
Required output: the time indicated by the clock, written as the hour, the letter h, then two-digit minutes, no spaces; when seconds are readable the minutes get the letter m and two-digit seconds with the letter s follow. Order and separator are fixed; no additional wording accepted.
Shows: 5h11
